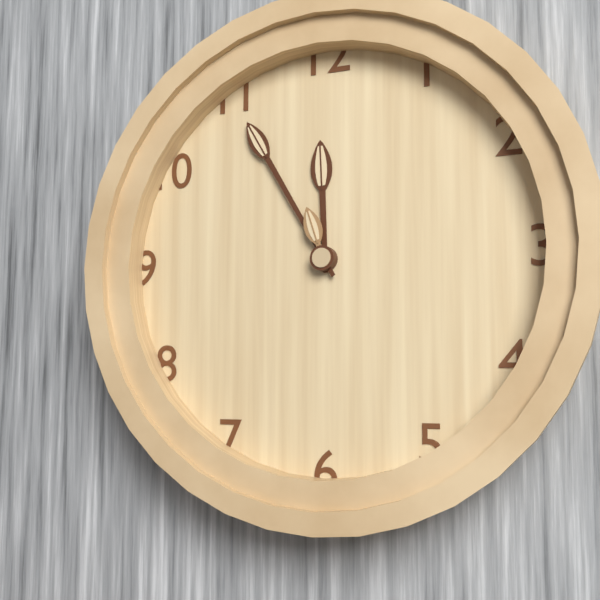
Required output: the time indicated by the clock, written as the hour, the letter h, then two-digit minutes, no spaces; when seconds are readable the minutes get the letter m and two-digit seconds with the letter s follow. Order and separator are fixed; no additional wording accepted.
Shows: 11h55m57s
